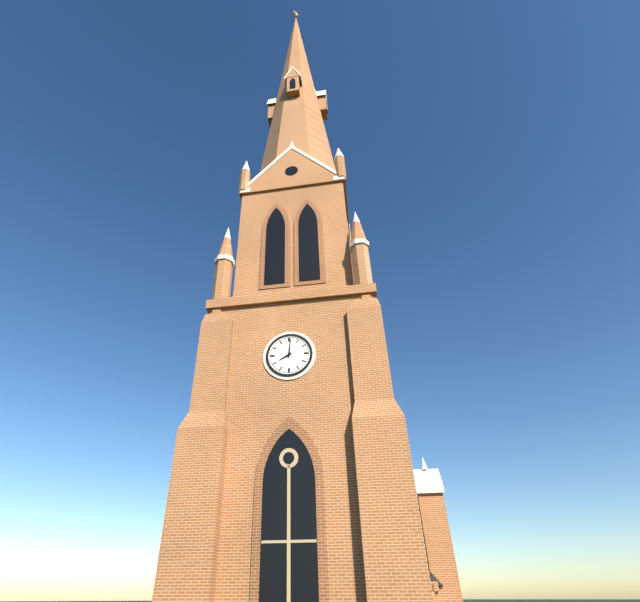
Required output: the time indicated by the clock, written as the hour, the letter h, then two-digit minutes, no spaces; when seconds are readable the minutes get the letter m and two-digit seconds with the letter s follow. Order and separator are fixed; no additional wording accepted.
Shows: 8h01
